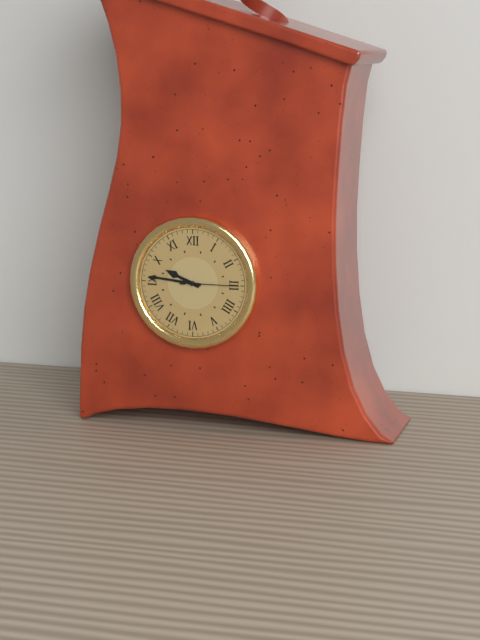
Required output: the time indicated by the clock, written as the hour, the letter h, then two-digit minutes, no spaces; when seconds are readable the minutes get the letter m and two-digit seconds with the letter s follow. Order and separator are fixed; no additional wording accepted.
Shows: 9h46m15s
